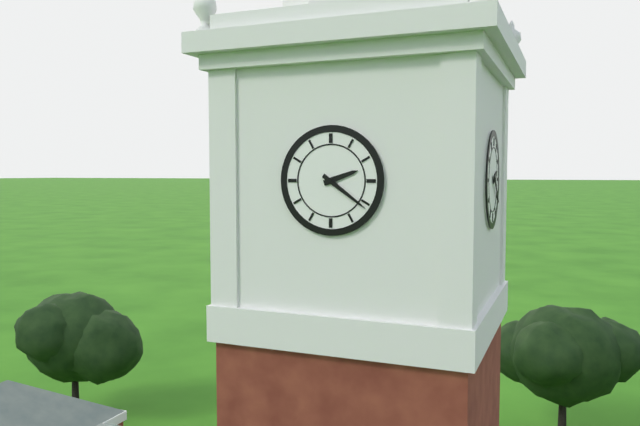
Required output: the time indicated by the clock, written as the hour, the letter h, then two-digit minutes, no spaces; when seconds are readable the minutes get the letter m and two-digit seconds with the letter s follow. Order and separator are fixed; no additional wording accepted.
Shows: 2h21
